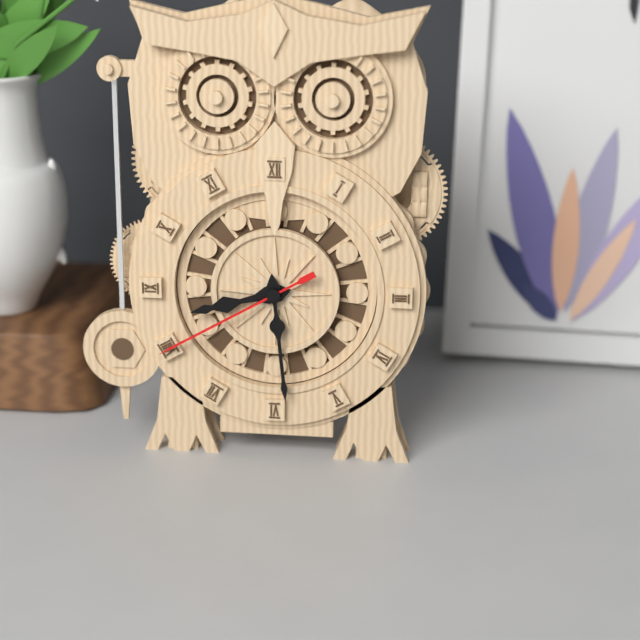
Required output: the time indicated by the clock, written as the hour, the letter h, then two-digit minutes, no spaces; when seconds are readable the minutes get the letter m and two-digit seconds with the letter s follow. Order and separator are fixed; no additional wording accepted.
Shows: 8h29m40s
